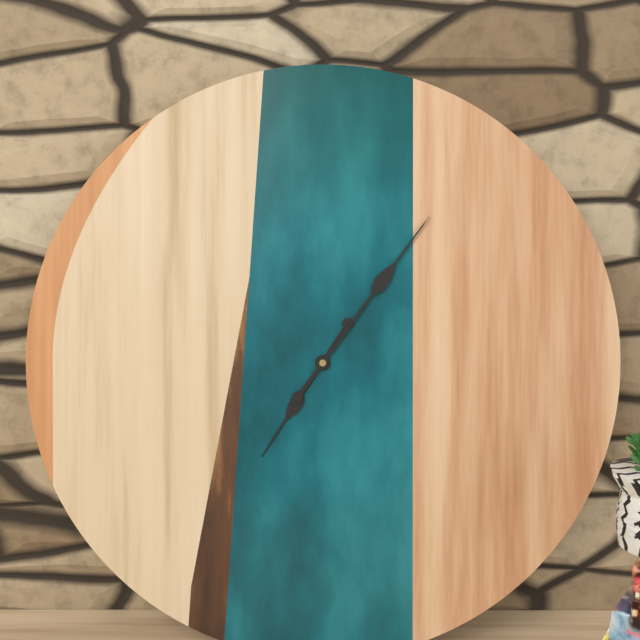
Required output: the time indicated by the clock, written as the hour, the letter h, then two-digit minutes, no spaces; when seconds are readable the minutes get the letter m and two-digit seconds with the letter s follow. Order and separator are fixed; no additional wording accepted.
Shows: 7h06
